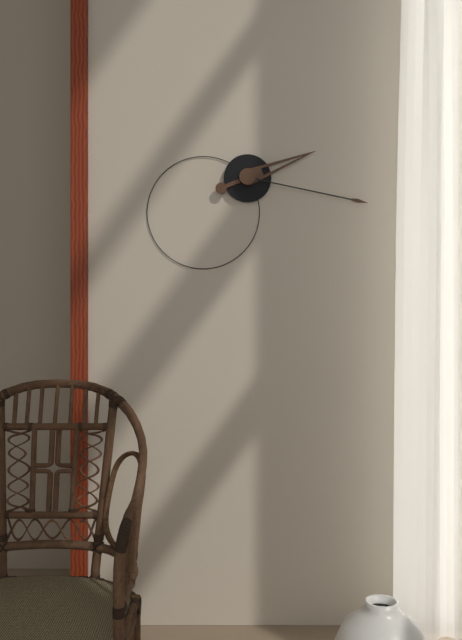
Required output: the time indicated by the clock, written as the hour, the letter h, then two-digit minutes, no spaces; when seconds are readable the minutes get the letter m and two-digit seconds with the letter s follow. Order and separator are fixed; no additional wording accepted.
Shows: 2h17
